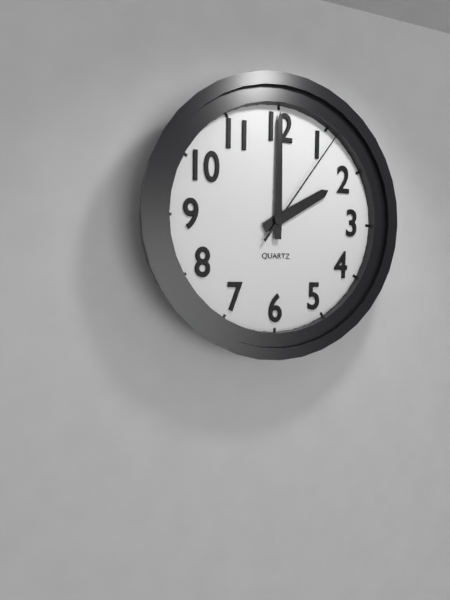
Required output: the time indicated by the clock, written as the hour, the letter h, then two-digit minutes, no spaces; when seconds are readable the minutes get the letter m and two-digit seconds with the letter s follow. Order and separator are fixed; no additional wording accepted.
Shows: 2h00m06s
